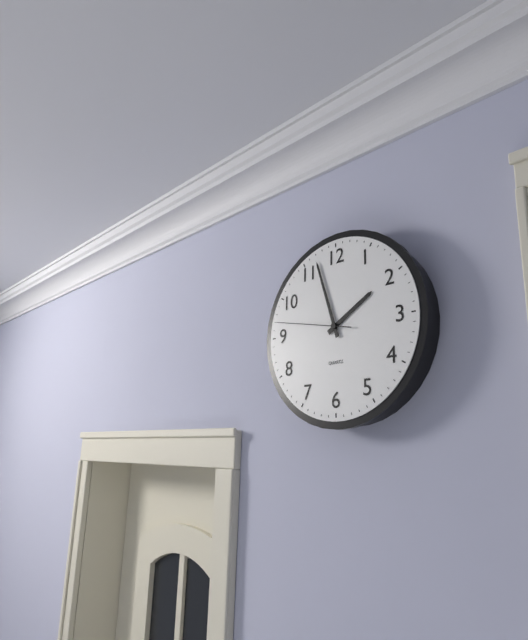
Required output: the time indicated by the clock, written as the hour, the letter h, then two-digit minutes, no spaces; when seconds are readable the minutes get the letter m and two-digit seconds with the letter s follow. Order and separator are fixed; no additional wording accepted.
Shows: 1h57m47s
